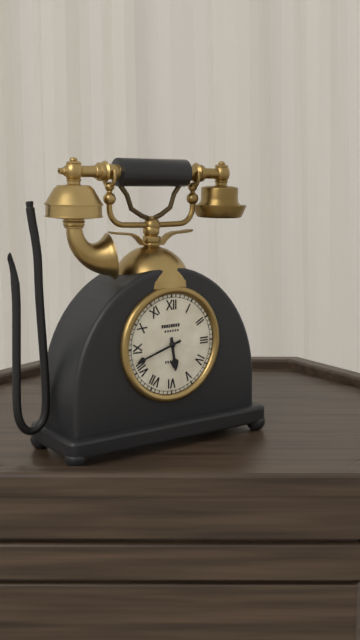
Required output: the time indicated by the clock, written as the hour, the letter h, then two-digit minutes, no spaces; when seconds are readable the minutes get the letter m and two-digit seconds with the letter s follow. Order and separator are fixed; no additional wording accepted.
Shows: 5h42
